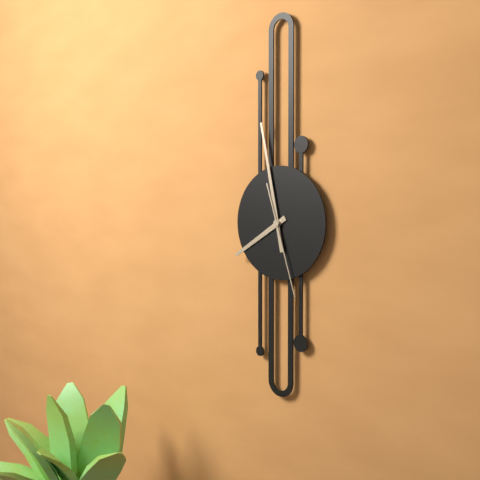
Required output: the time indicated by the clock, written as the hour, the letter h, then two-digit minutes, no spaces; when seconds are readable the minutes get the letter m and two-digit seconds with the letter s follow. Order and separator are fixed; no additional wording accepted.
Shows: 7h58m27s
